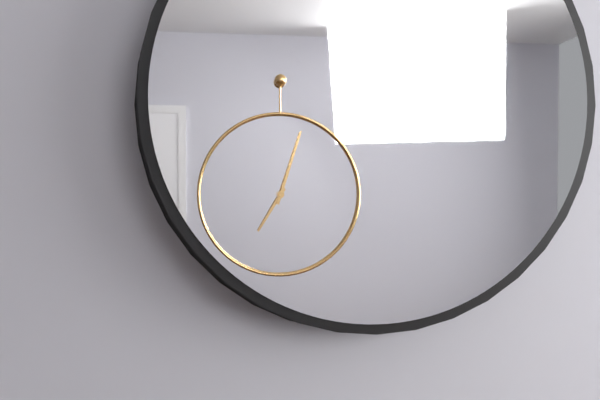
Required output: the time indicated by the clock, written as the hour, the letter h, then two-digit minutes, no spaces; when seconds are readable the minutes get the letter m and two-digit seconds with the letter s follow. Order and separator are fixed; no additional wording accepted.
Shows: 7h03
